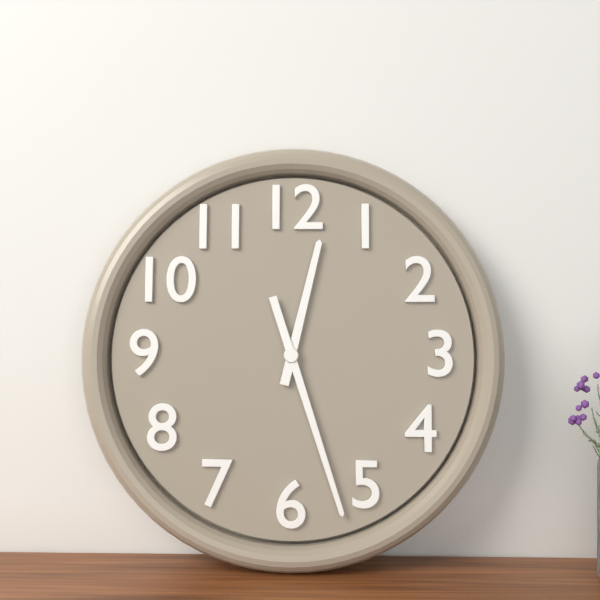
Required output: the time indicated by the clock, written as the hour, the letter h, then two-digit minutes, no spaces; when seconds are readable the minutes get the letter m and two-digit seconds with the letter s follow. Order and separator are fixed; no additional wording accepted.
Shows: 12h27
